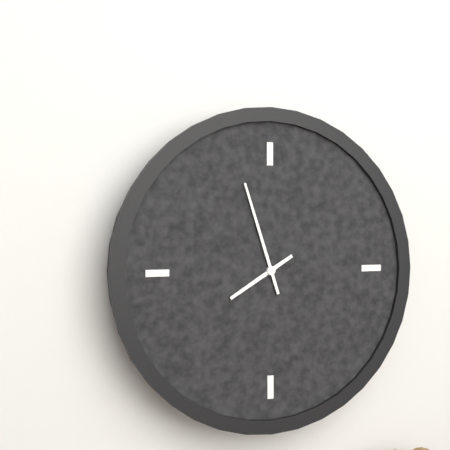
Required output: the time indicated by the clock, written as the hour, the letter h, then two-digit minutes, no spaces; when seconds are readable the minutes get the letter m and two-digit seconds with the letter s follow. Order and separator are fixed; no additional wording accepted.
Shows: 7h57
